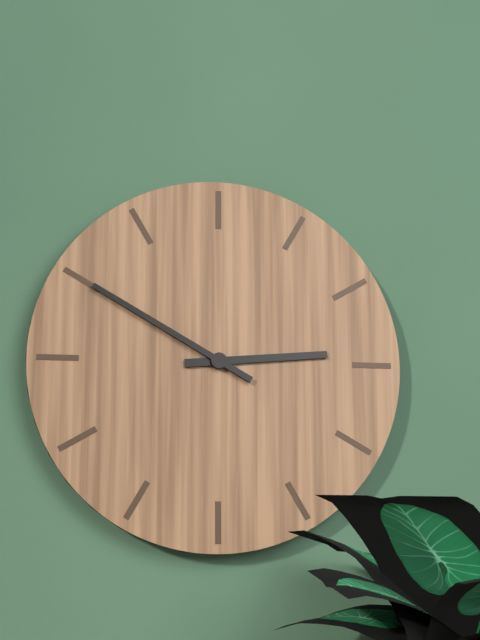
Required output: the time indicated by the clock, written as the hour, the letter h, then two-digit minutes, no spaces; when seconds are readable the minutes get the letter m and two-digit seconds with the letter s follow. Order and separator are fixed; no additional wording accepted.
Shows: 2h50
